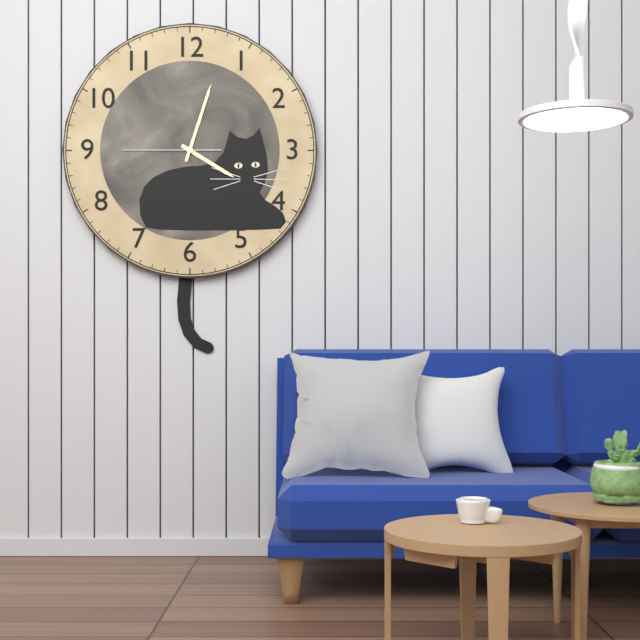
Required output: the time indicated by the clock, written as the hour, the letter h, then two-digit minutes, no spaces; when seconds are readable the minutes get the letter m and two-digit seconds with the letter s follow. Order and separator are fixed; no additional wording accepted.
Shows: 4h03m45s
